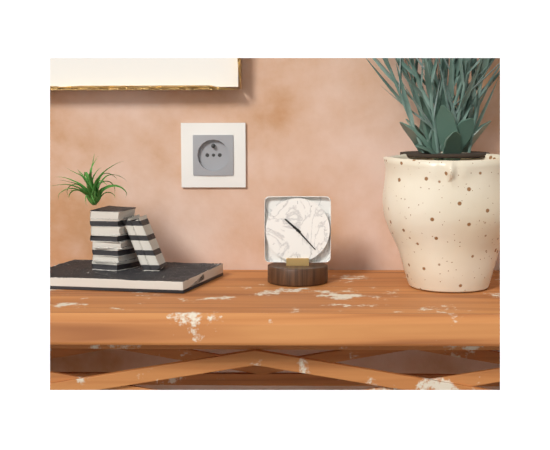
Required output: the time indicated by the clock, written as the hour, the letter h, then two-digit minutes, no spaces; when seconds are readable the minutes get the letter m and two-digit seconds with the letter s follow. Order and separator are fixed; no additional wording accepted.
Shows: 10h23
